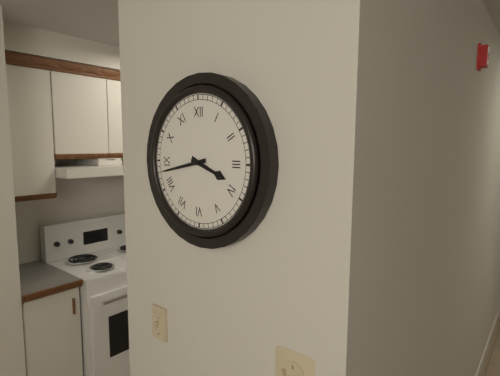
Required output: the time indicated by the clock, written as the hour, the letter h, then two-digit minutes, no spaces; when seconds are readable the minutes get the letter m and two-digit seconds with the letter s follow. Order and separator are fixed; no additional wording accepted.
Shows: 3h43
